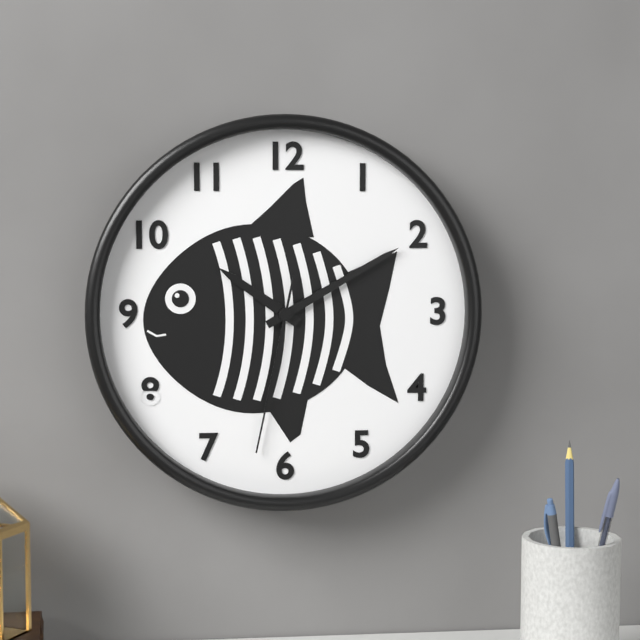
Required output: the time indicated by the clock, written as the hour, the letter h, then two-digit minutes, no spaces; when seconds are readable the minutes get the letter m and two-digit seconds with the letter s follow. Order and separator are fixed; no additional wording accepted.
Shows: 10h10m32s
